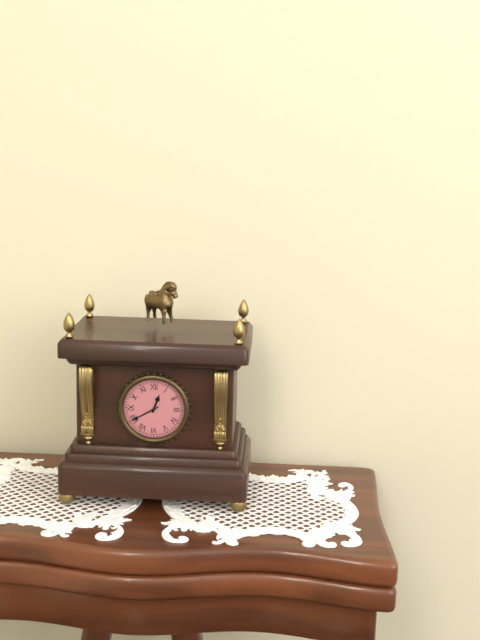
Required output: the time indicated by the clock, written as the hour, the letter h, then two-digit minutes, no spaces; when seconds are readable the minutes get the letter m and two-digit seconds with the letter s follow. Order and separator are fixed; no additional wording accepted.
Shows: 12h40
